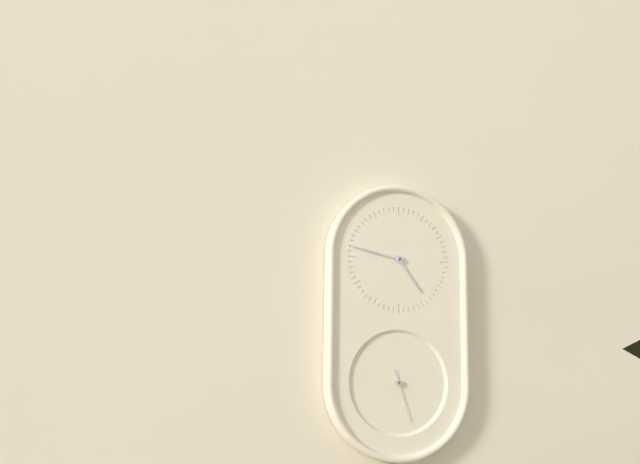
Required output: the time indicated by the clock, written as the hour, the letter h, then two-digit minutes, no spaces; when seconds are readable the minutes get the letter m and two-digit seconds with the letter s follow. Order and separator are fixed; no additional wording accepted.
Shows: 4h47m27s
